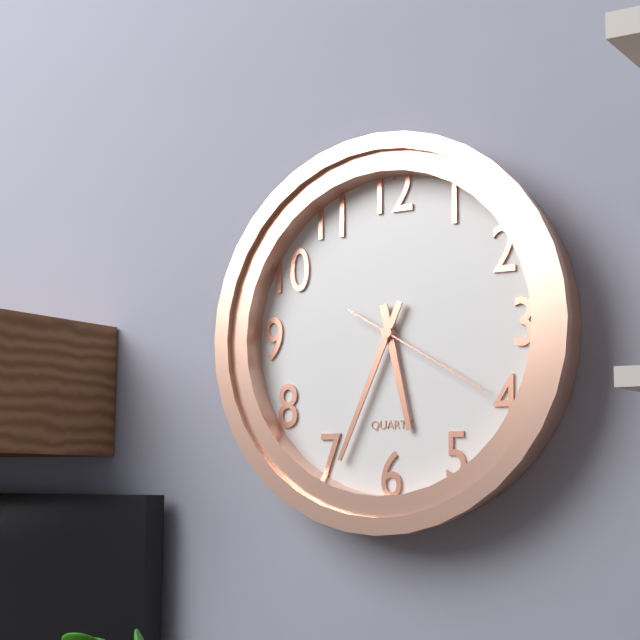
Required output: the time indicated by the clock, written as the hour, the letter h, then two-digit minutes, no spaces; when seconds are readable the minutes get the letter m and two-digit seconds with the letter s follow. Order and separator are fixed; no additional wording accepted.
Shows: 5h34m20s
